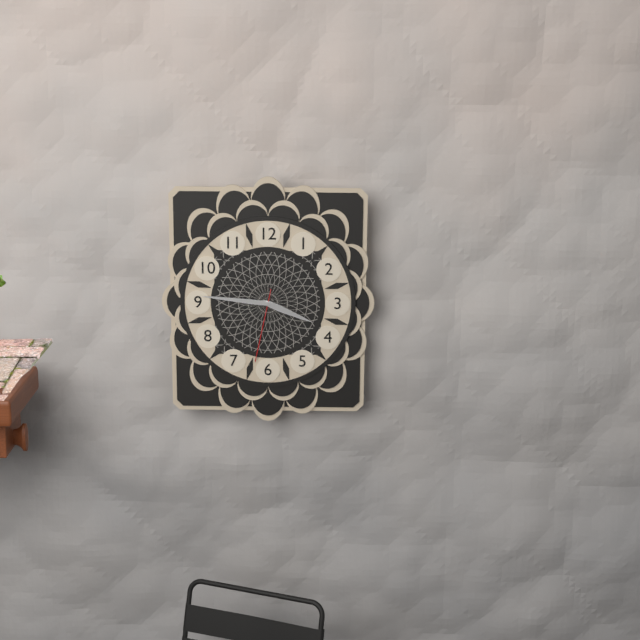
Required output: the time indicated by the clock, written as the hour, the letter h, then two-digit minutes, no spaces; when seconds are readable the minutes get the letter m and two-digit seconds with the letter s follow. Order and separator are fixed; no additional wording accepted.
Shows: 3h46m32s
